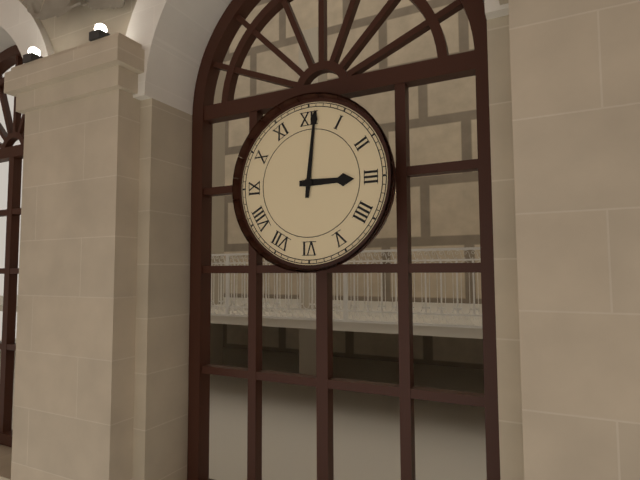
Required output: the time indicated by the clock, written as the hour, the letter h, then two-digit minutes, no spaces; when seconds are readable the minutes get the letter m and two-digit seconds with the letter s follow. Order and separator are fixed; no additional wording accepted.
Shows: 3h01
